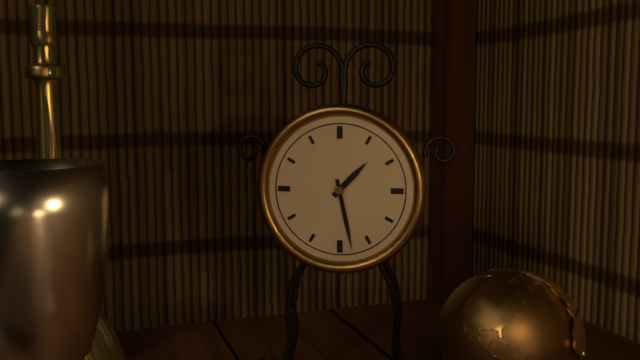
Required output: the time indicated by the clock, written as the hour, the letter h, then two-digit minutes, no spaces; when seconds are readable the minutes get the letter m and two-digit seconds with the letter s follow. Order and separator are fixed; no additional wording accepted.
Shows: 1h28
